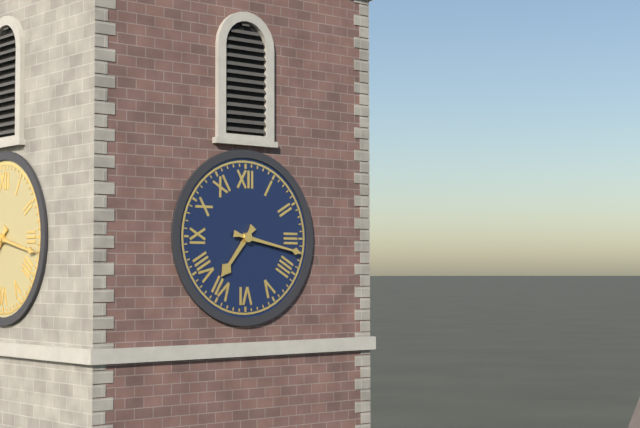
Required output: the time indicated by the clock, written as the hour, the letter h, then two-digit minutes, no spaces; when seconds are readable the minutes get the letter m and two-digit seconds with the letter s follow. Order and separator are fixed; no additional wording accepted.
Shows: 7h17
